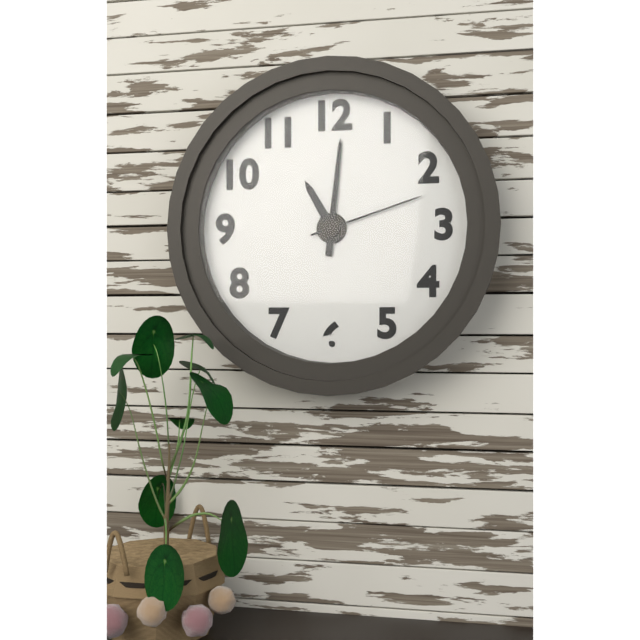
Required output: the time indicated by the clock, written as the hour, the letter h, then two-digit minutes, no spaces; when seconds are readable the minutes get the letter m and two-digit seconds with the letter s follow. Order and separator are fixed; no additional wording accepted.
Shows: 11h01m12s
